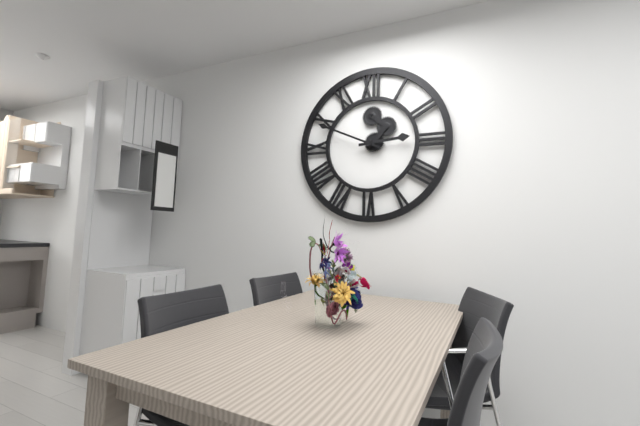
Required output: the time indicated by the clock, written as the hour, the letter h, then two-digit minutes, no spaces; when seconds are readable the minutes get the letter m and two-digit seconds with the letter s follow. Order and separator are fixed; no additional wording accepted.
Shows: 2h49
